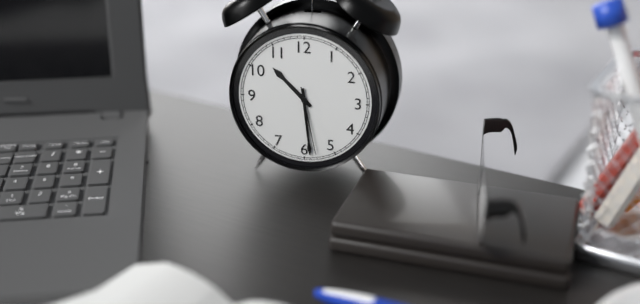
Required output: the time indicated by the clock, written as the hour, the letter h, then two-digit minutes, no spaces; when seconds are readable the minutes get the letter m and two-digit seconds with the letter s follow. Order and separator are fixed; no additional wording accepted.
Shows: 10h29m28s
